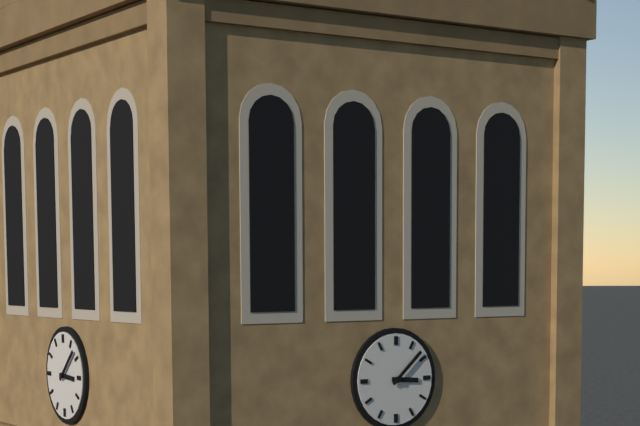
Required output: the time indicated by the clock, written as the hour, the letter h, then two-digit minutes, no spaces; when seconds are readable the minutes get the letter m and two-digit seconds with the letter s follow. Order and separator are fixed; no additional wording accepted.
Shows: 3h08
